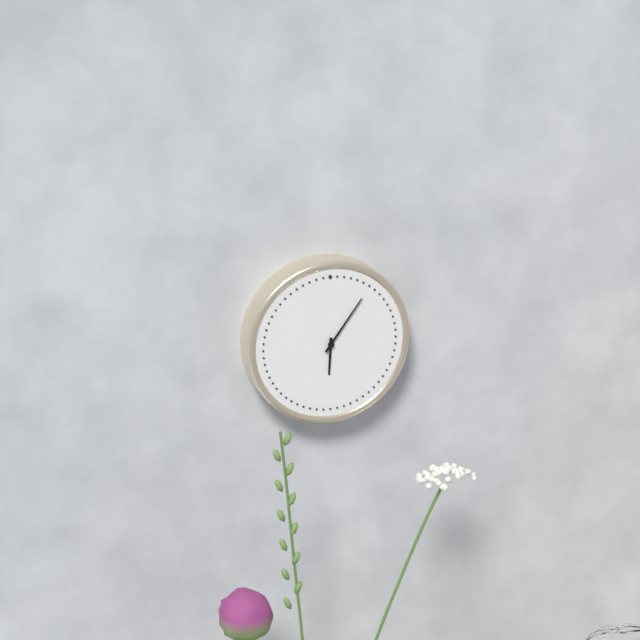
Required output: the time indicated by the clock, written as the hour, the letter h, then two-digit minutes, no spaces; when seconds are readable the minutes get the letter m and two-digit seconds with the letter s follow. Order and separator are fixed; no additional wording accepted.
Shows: 6h06
